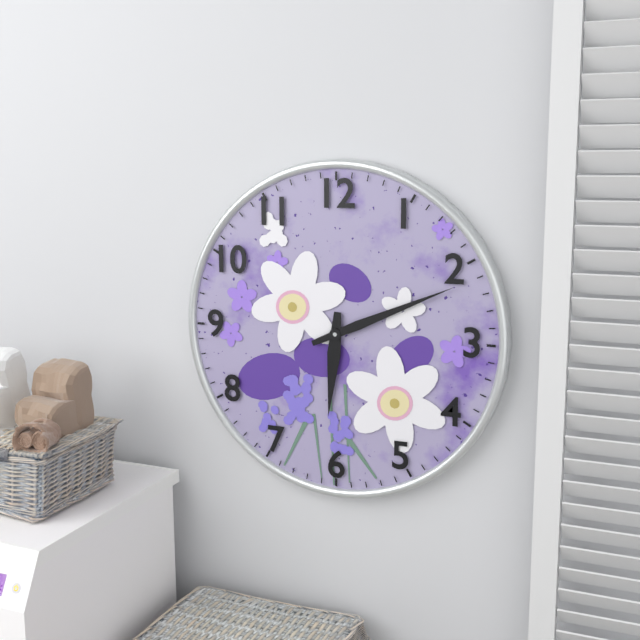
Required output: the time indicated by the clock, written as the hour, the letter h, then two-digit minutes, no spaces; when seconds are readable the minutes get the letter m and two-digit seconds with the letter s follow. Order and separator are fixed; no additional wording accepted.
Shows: 6h11
